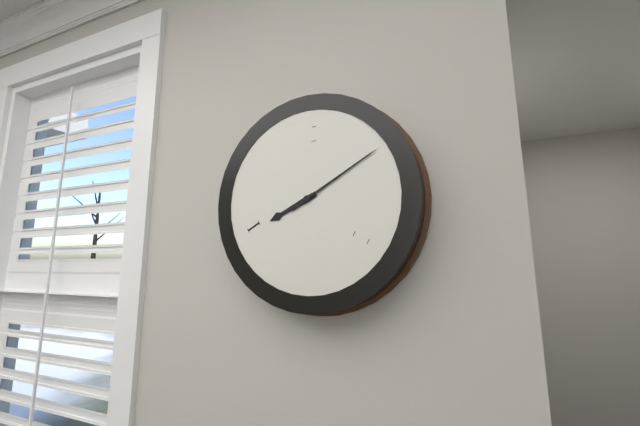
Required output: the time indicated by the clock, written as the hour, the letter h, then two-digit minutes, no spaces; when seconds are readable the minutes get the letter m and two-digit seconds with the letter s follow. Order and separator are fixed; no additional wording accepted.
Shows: 8h10
